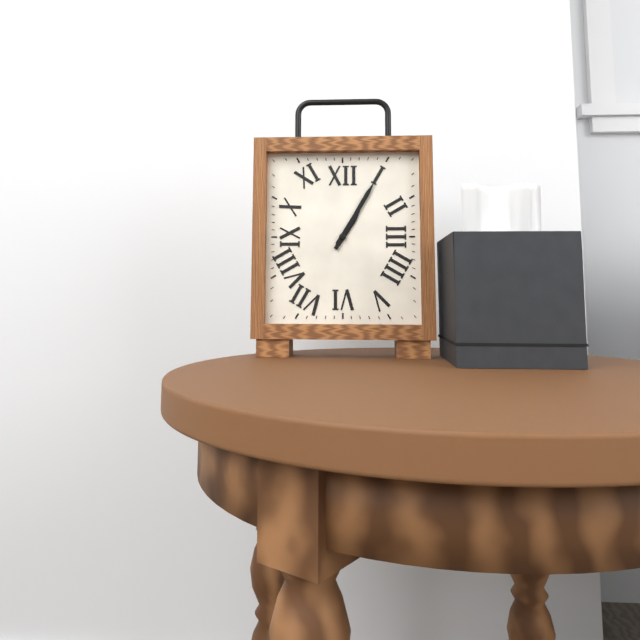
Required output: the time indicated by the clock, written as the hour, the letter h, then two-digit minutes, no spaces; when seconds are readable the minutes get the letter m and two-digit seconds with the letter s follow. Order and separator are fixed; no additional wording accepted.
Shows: 1h05
